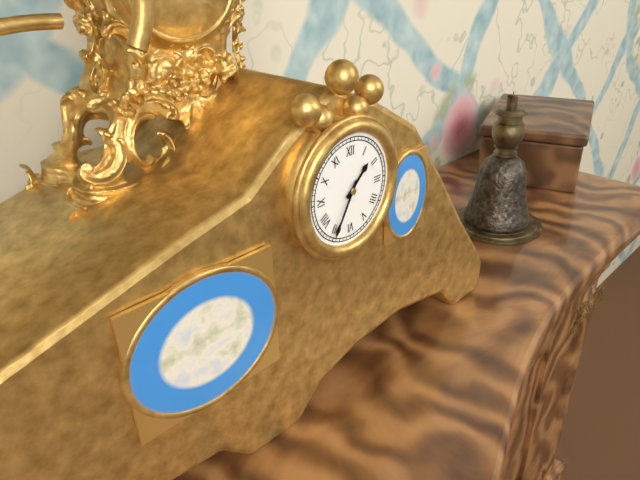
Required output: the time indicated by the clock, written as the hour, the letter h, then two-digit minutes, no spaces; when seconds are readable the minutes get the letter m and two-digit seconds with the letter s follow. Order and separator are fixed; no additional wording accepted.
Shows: 1h35
